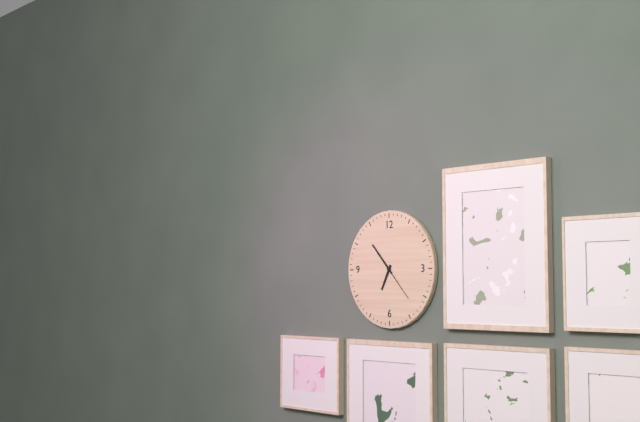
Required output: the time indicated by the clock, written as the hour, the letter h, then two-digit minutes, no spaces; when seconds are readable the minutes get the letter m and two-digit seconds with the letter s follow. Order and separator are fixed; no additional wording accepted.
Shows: 6h53
